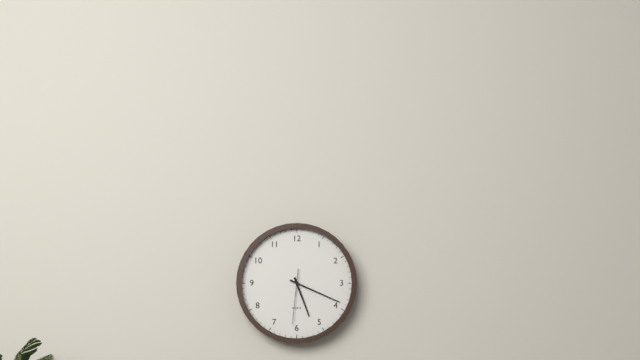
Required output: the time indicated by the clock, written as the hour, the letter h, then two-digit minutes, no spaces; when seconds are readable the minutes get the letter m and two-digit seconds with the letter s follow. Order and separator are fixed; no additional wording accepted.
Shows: 5h19m31s
